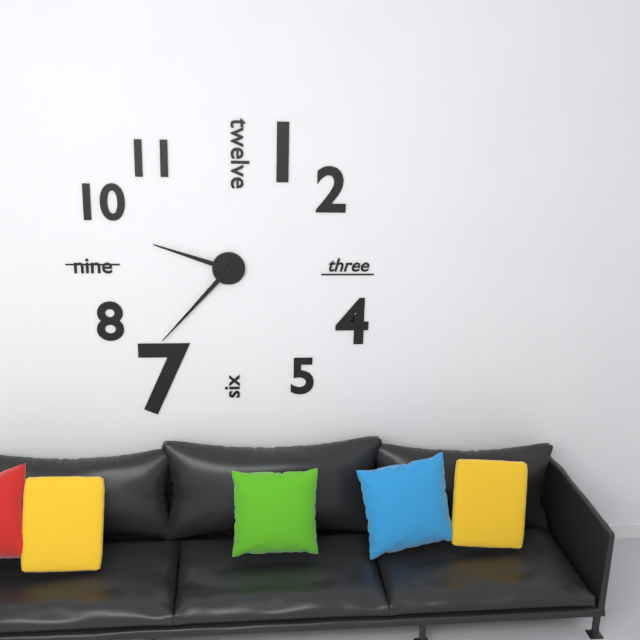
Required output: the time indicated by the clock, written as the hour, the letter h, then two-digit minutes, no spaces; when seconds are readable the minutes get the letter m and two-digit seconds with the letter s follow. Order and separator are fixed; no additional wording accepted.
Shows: 9h37
